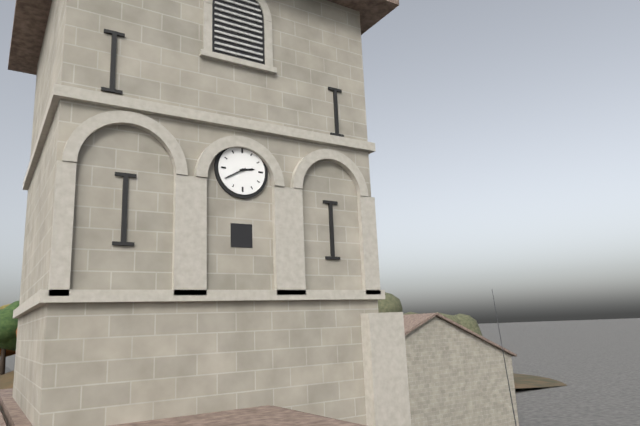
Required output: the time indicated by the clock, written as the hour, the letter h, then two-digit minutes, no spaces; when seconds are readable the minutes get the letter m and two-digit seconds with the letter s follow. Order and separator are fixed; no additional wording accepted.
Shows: 2h40
